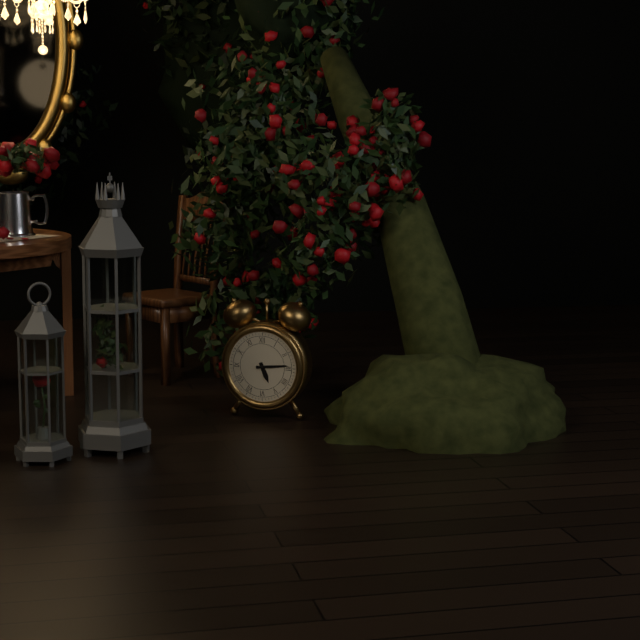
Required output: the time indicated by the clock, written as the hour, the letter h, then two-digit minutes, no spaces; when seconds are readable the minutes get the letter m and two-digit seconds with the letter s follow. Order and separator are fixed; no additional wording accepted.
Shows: 5h14
